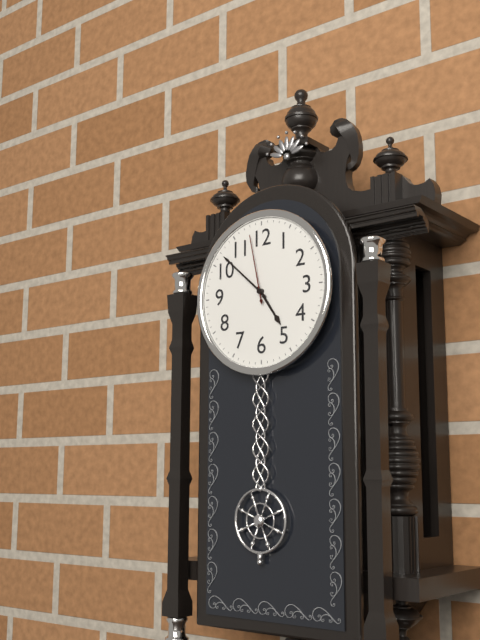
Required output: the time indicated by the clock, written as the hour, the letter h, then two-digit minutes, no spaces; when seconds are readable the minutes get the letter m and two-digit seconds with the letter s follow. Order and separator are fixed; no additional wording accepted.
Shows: 4h52m58s
